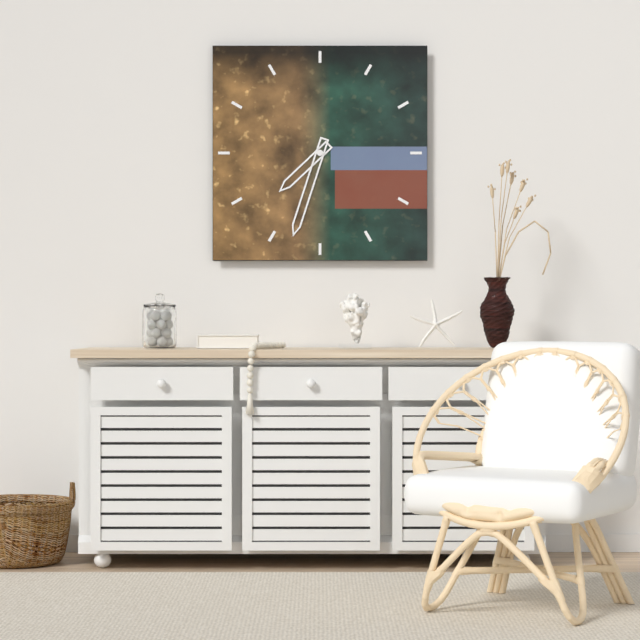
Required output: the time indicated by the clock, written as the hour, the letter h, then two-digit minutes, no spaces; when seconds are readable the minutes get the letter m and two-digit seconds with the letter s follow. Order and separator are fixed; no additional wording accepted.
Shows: 7h33
